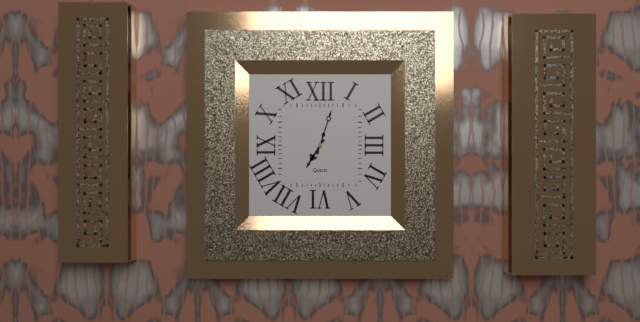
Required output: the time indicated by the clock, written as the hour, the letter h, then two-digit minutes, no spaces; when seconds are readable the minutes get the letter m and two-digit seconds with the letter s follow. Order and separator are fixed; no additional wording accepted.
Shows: 7h03
